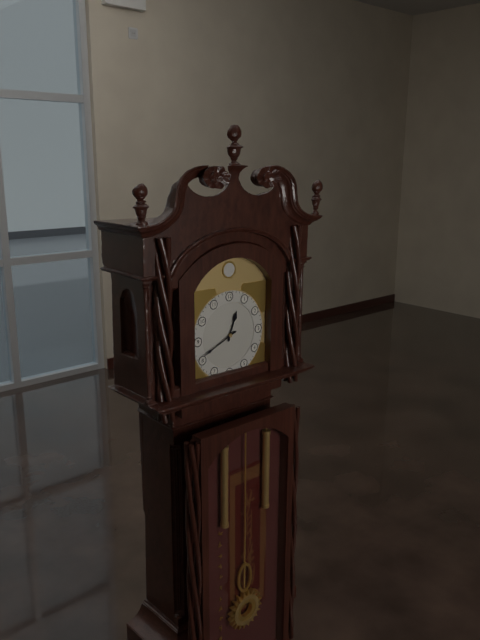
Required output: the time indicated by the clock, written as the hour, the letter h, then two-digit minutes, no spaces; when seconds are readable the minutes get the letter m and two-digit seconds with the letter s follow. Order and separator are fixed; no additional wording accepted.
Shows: 12h41
